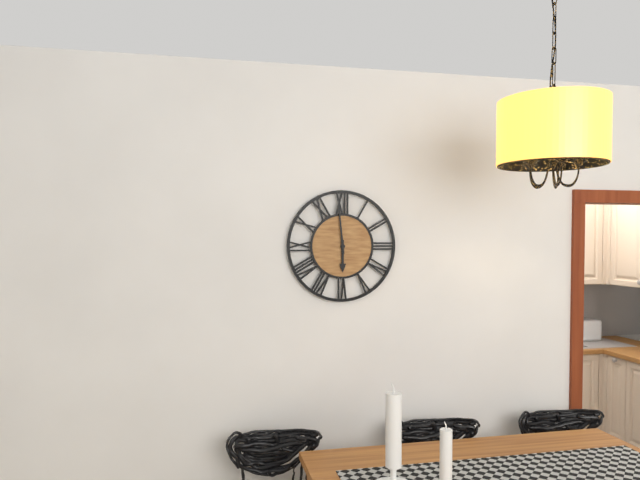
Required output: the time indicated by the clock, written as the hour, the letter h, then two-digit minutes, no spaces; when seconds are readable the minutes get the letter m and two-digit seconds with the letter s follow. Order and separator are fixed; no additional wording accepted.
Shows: 5h59
